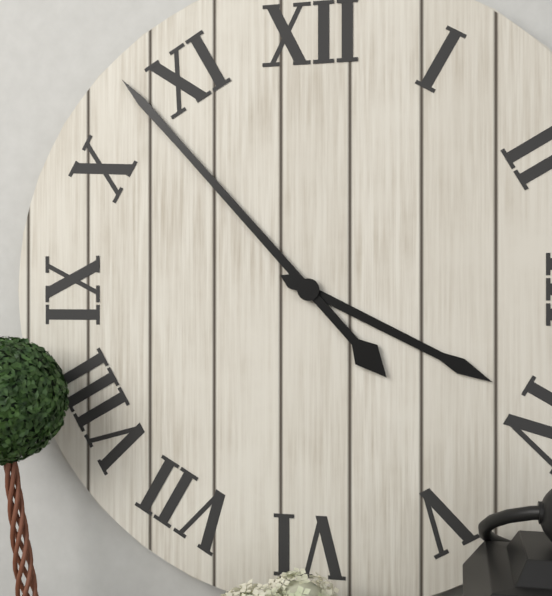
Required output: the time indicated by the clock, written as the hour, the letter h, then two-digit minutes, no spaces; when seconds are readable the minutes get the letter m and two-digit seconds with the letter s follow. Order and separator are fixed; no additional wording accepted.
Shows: 3h53
